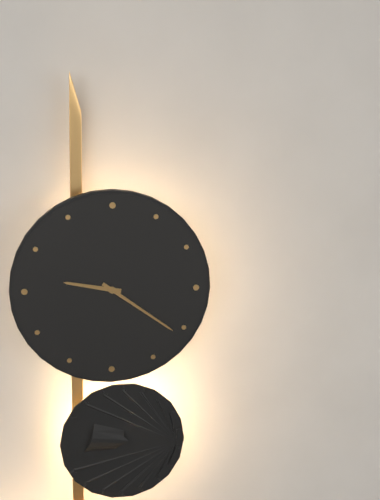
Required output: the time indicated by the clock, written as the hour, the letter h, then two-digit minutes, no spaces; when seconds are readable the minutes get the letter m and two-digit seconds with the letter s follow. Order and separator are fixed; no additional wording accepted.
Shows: 9h21
